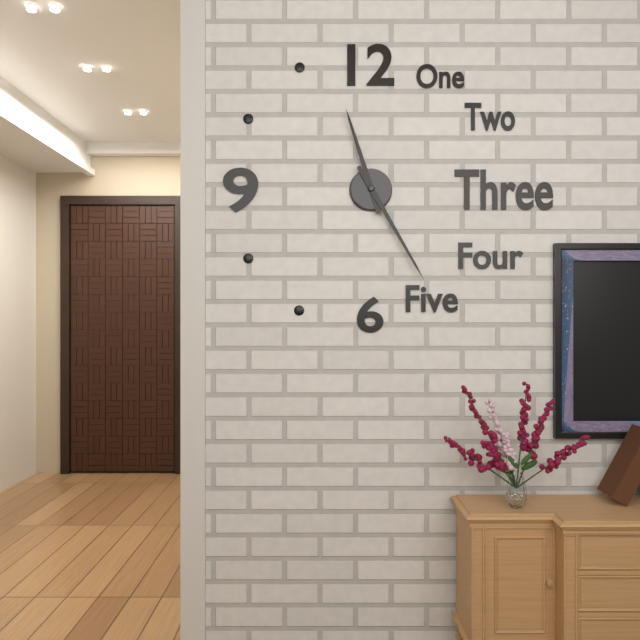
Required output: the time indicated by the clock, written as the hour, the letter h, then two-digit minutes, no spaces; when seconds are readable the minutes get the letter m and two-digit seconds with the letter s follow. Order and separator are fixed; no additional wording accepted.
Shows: 11h25
